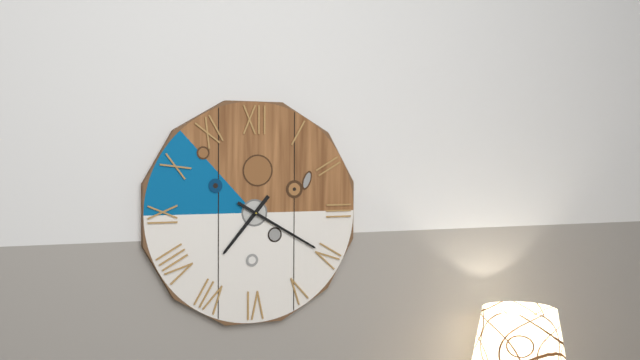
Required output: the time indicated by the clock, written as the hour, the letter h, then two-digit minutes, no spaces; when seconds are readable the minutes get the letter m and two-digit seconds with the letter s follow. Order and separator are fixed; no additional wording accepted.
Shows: 7h20
